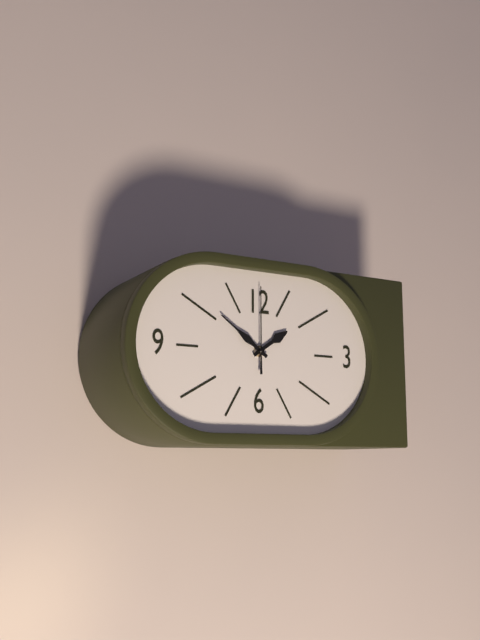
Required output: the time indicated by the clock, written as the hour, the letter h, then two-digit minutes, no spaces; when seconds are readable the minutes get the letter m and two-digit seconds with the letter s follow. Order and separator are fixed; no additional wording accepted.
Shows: 1h51m00s
